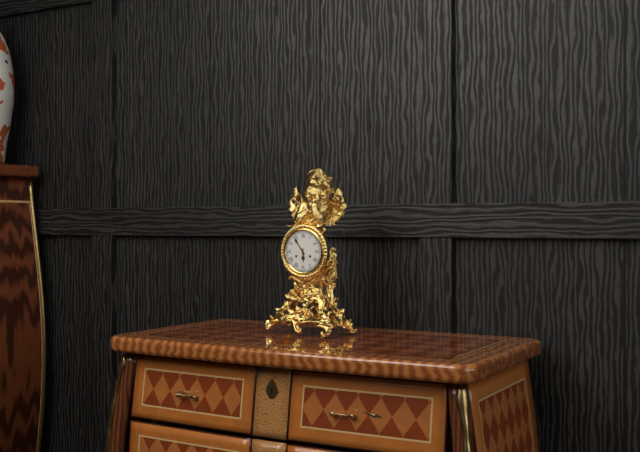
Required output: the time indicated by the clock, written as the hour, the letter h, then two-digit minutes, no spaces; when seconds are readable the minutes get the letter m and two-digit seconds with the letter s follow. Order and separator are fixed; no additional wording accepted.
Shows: 5h54
